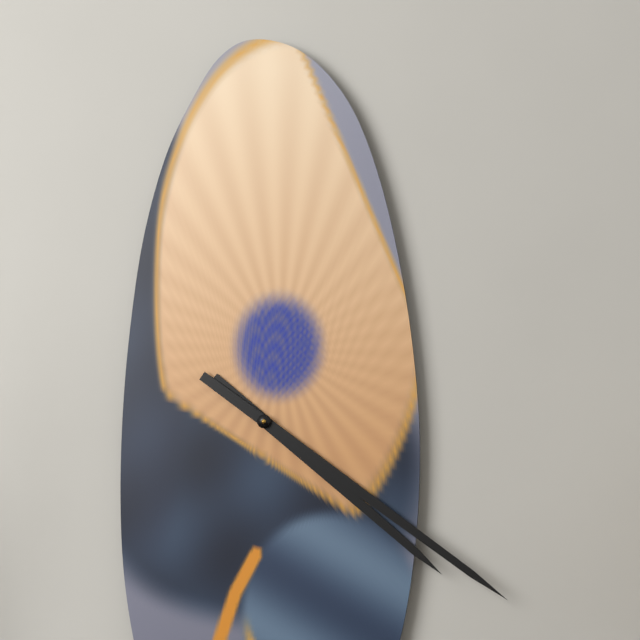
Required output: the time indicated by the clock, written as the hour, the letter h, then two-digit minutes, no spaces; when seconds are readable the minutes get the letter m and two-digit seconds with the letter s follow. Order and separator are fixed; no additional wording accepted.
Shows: 4h21
